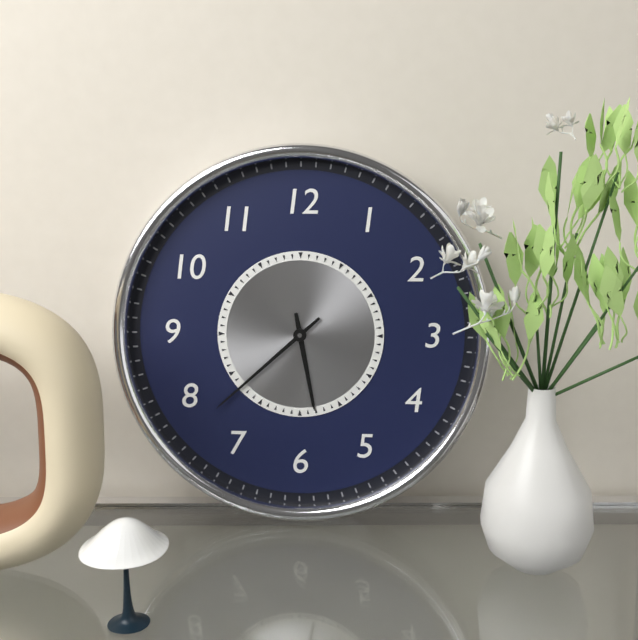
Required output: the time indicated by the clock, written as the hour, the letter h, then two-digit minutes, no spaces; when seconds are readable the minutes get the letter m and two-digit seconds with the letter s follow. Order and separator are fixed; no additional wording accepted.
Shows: 5h38
